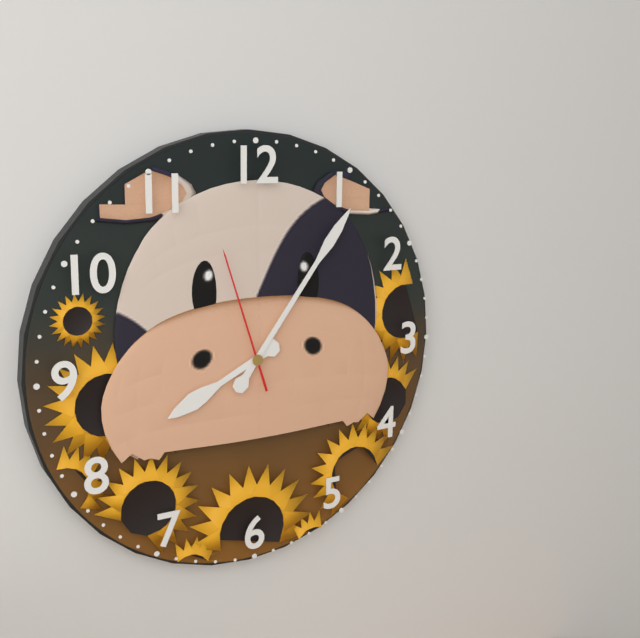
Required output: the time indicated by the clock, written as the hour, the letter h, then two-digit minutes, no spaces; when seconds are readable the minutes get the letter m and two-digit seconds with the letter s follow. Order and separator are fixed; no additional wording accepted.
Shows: 8h06m57s
